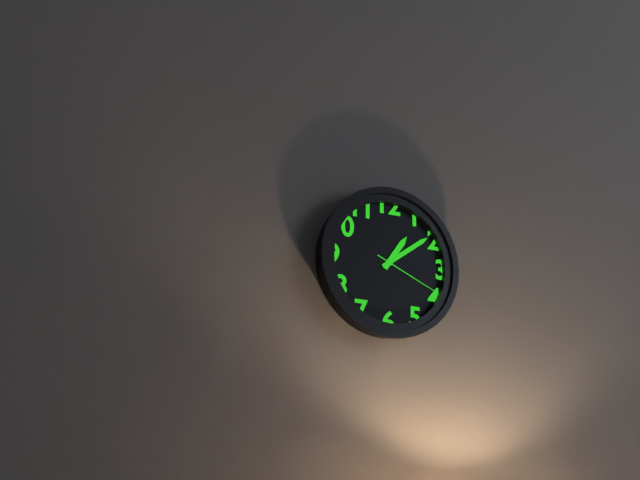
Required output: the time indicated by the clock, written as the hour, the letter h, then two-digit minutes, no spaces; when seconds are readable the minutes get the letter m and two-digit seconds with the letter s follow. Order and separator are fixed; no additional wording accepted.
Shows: 1h09m19s
